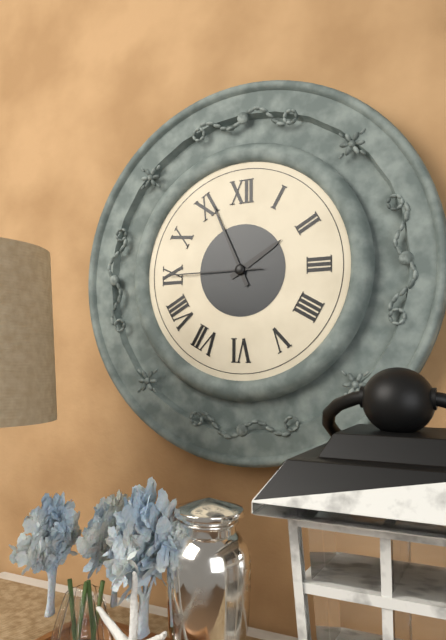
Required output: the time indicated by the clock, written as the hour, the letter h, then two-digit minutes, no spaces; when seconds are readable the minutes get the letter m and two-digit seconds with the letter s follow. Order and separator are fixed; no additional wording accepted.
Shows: 1h56m45s
